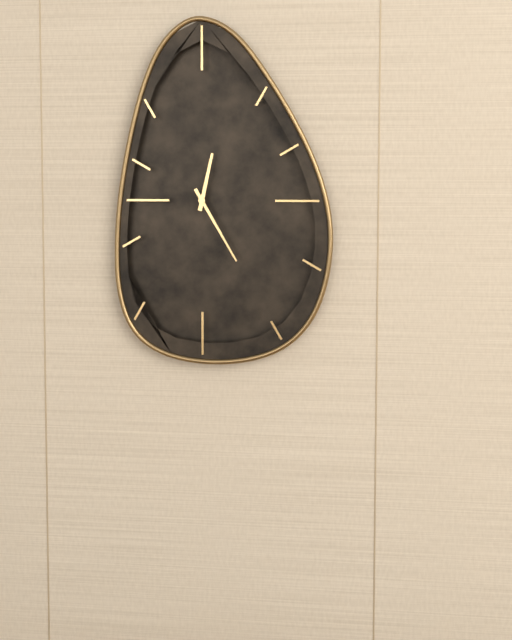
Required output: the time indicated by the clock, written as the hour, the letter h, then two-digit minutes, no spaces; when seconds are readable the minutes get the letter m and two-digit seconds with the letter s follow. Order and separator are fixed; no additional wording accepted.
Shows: 12h25
